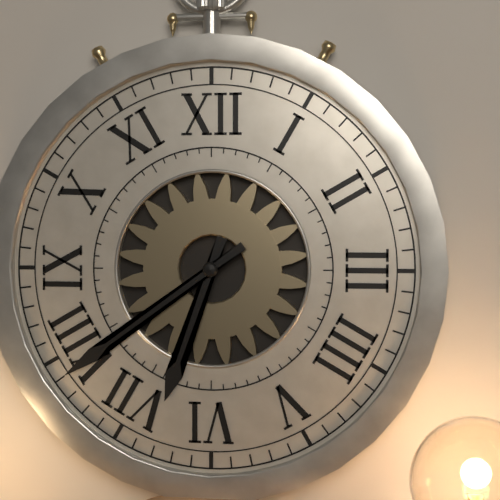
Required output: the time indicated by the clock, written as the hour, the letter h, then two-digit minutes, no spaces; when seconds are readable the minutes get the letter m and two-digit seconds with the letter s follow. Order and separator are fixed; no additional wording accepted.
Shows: 6h39
